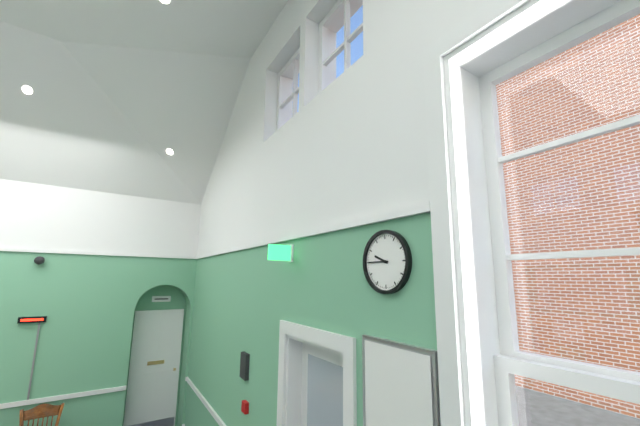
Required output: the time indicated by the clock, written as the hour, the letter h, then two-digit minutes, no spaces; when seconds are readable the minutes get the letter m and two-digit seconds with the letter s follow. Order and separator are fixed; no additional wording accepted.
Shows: 9h45
